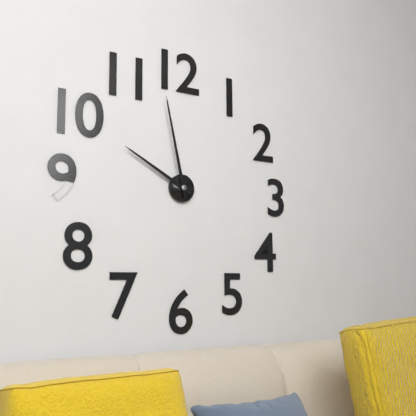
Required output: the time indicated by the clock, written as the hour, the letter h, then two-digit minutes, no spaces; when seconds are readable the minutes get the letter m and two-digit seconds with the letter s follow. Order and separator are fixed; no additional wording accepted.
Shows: 9h58
